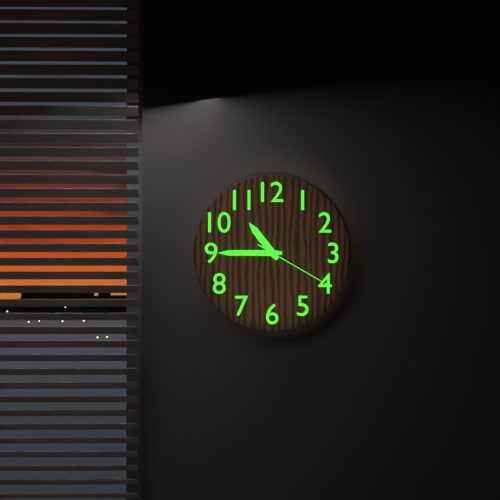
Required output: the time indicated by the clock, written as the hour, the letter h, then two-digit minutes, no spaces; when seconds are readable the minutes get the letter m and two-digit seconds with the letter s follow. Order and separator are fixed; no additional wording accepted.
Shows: 10h45m20s
